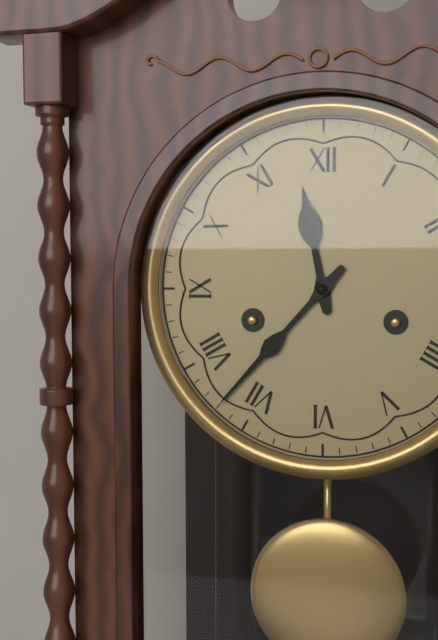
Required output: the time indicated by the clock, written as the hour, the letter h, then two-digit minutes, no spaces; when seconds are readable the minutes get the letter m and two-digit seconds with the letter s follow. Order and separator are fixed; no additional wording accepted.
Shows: 11h37
